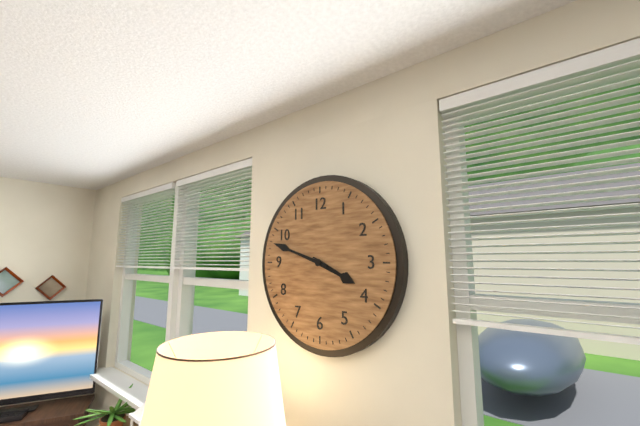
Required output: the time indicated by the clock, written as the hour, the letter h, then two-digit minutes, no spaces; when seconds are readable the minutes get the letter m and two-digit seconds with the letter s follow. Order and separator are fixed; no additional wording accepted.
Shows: 3h48
